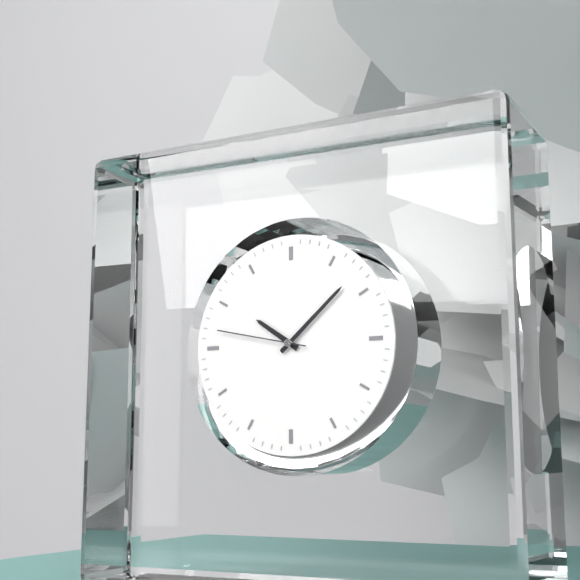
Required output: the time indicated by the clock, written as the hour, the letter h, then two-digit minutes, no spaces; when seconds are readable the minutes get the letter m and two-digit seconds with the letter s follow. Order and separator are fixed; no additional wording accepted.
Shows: 10h08m47s
